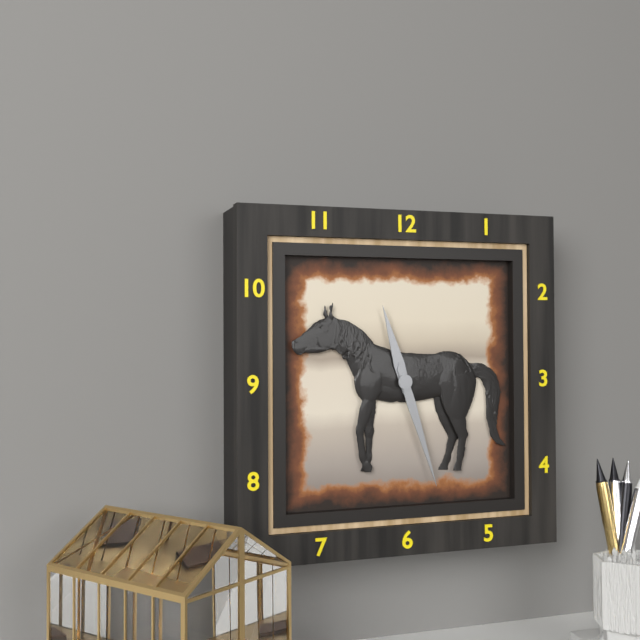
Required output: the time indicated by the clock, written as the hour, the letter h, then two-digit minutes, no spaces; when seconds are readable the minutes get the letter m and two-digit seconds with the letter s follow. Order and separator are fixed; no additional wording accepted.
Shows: 11h27
